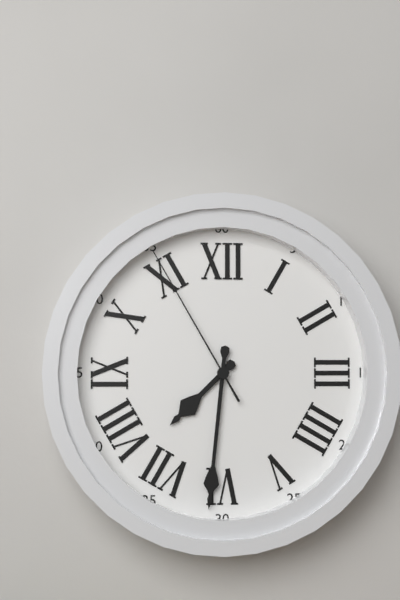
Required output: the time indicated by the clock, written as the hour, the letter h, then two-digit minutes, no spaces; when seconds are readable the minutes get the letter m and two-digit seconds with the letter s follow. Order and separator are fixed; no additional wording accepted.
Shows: 7h31m55s
